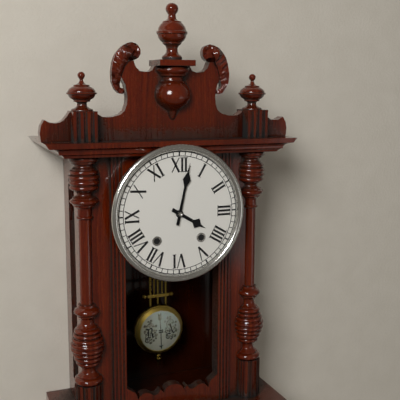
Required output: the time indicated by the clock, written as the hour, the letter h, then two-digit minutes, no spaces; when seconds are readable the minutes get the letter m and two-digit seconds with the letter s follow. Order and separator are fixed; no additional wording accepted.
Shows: 4h02
